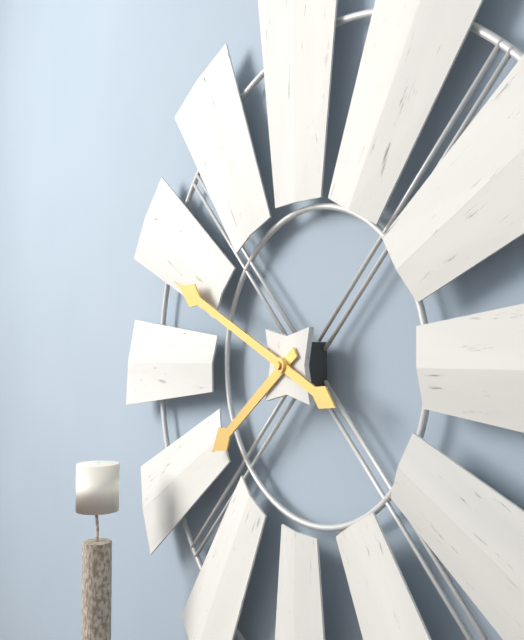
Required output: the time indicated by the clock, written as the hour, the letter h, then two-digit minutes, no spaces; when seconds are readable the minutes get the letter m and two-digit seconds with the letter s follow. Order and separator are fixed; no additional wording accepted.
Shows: 7h49
